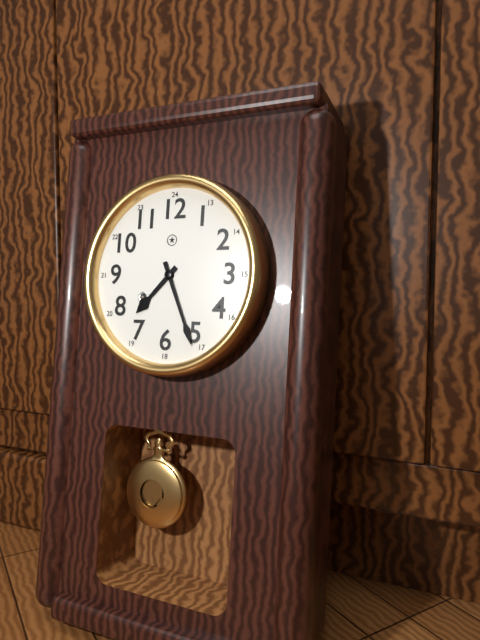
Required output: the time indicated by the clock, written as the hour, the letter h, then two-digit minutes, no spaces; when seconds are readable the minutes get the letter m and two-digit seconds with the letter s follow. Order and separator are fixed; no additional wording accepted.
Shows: 7h26
